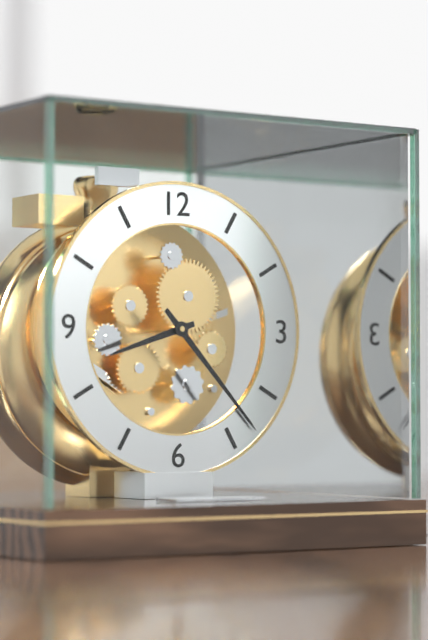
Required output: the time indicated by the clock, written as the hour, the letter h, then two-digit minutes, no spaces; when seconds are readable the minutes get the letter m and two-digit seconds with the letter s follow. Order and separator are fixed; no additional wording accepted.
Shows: 8h23
